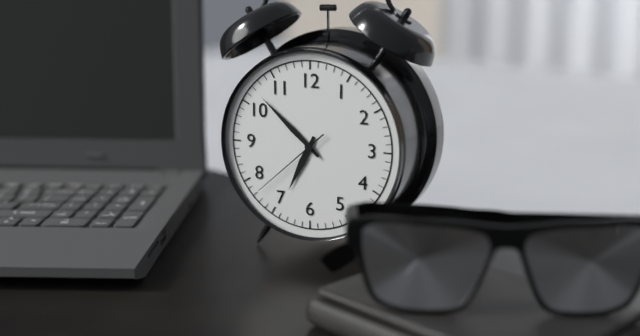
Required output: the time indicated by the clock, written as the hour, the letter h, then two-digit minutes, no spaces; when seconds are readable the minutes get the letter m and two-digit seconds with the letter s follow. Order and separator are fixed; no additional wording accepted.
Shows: 6h52m38s
